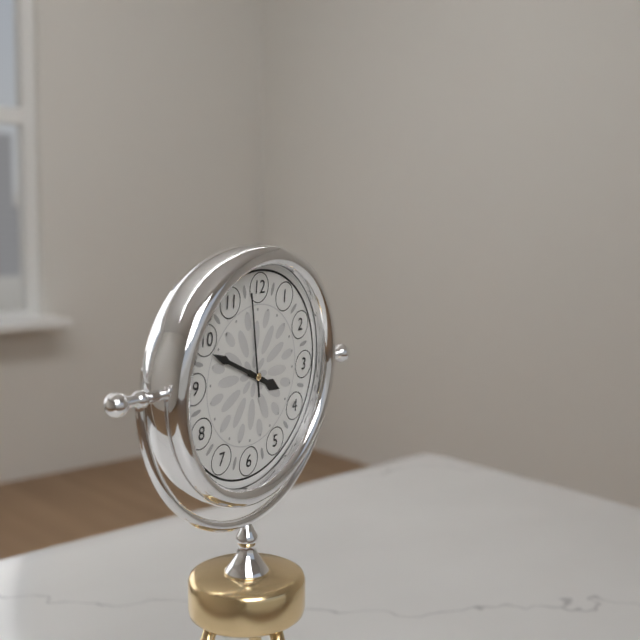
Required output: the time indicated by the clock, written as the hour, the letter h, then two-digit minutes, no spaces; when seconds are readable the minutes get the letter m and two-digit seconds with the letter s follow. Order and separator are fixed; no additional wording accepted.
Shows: 3h49m58s
